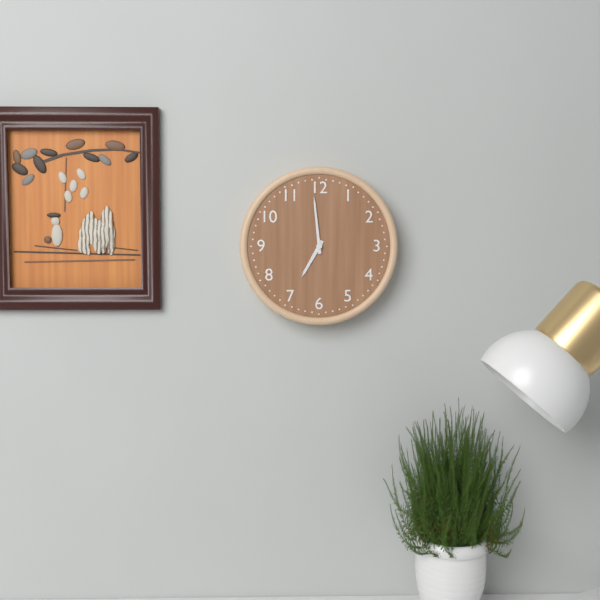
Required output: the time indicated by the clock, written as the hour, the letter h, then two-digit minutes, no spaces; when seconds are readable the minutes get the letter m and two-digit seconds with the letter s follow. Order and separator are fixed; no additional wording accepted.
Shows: 6h59
